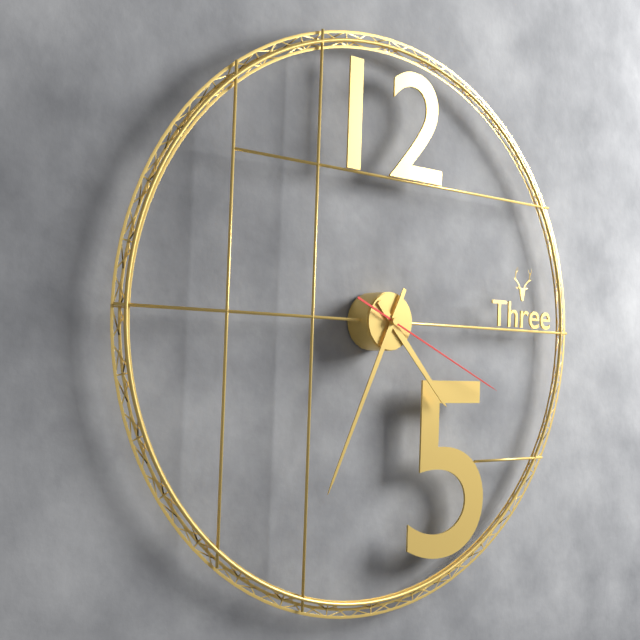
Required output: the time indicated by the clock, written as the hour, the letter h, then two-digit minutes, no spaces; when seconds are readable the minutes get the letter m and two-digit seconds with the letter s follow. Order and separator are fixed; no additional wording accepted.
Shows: 4h34m19s
